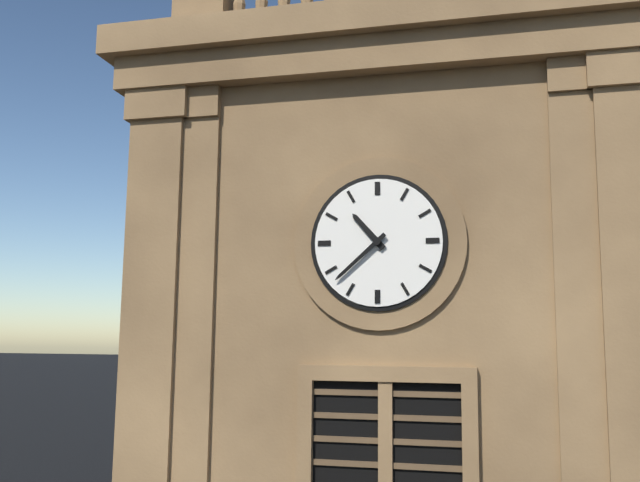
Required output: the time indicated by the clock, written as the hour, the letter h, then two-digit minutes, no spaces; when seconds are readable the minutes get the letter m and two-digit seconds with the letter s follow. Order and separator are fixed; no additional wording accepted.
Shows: 10h38
